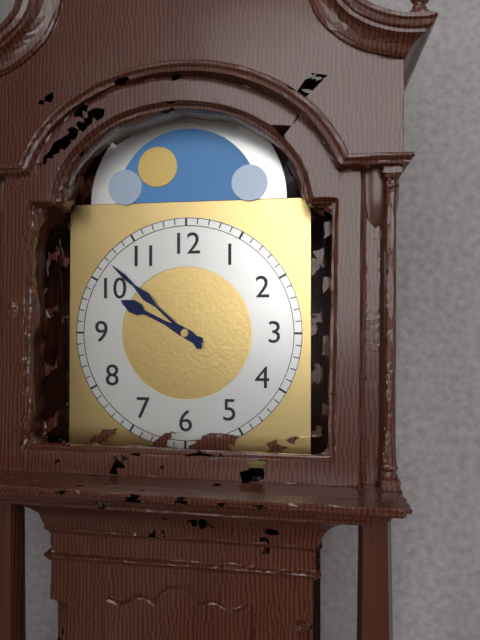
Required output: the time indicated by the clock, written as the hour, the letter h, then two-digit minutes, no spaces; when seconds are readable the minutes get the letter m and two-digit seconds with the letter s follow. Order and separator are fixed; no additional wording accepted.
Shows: 9h52
